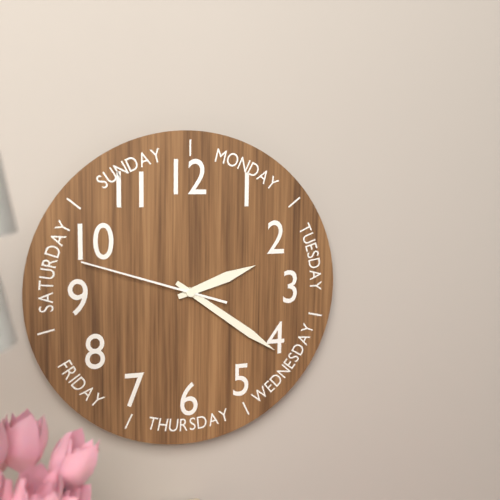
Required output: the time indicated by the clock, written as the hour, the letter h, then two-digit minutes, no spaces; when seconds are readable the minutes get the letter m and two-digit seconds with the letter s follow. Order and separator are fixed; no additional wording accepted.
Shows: 2h21m48s
